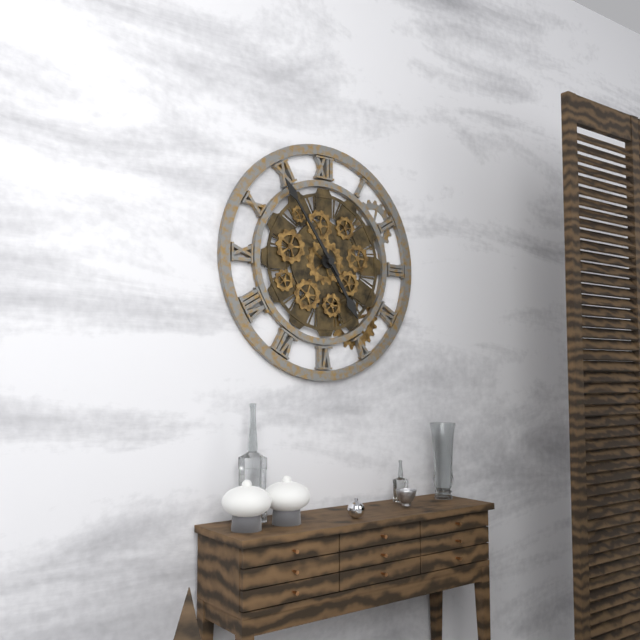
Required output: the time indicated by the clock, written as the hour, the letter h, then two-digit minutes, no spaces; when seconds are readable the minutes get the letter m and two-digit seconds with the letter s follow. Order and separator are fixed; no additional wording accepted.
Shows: 4h54
